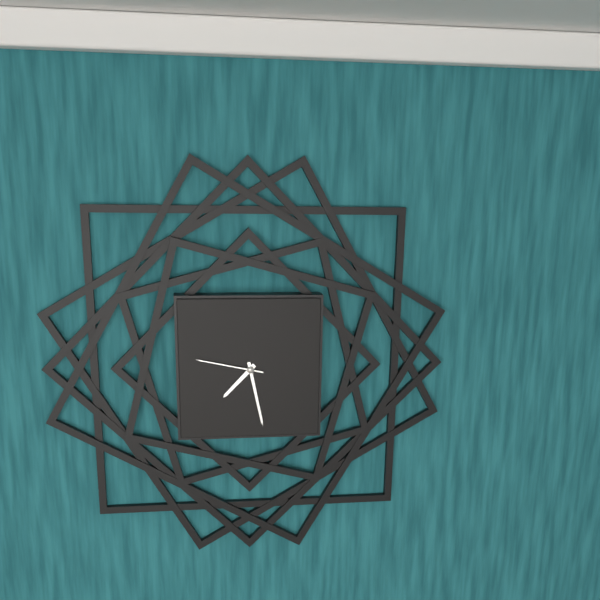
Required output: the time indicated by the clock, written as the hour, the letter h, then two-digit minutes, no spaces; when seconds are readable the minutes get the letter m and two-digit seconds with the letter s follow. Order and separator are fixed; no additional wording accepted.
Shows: 7h28m47s
